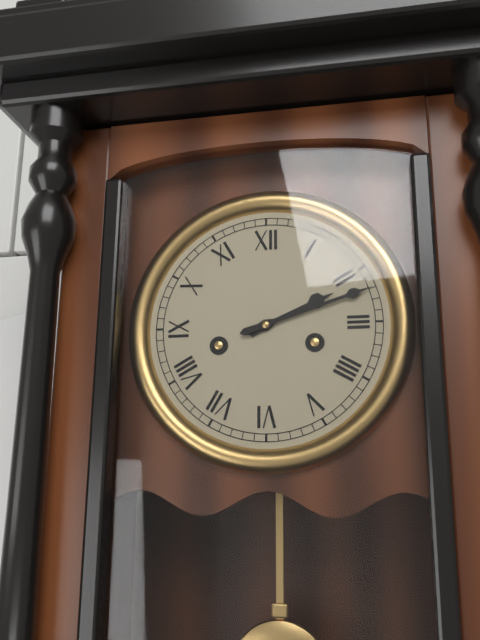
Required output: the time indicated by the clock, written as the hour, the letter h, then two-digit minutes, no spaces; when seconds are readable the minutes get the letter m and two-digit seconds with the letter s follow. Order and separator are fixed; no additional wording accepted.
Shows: 2h12
